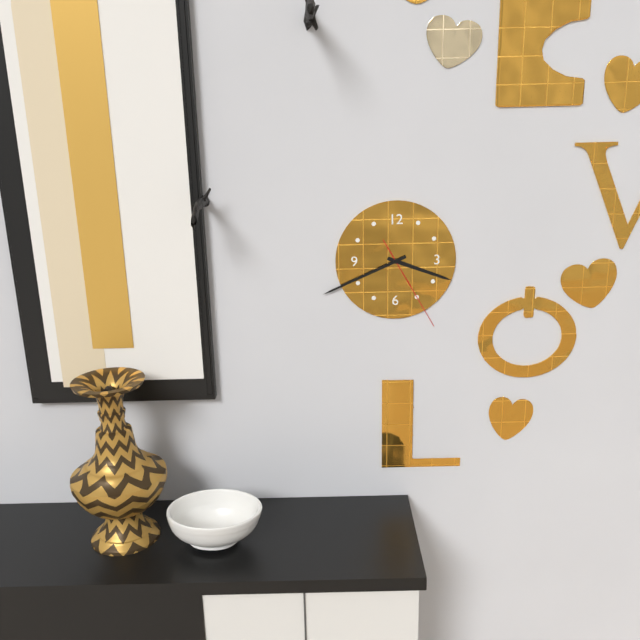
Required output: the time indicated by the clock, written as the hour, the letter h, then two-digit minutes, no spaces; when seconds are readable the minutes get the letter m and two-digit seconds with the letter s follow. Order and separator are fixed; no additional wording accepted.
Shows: 3h41m25s
